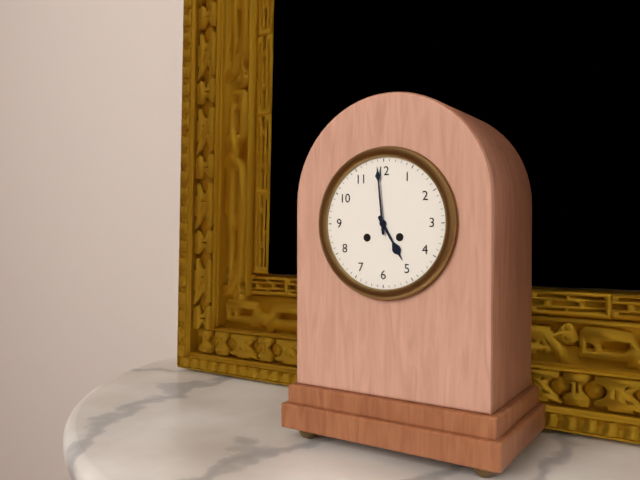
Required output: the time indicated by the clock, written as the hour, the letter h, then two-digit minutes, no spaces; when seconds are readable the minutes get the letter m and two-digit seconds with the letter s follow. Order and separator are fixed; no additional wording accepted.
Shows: 4h59
